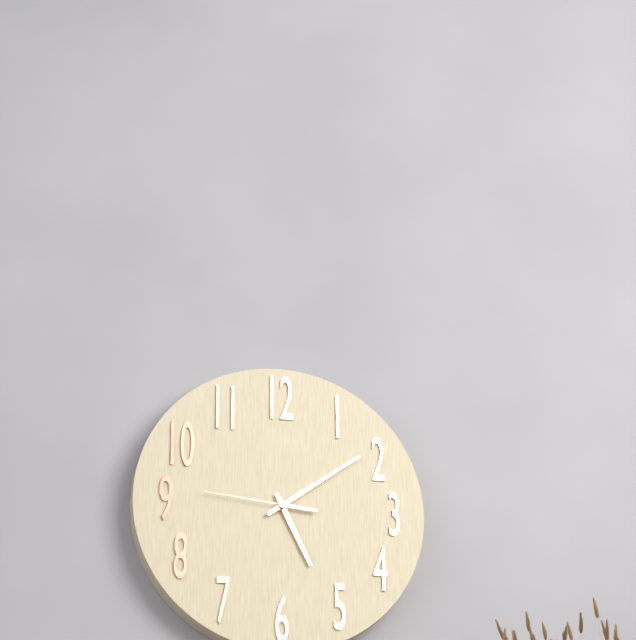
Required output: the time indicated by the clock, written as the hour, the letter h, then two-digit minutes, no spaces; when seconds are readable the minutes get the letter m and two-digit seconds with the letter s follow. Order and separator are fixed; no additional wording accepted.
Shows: 5h09m46s
